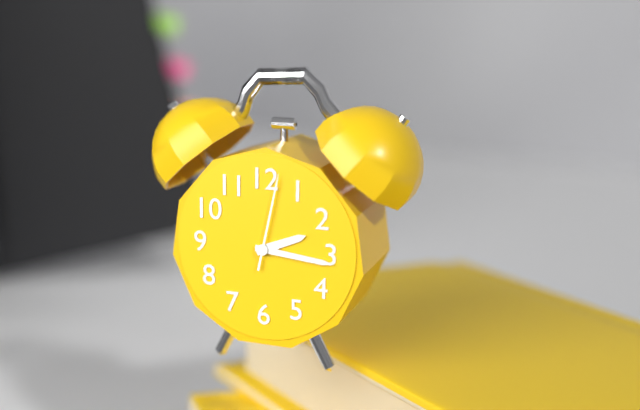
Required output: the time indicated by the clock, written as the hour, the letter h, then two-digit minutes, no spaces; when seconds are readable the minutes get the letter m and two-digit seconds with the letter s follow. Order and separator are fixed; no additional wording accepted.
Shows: 2h16m02s
